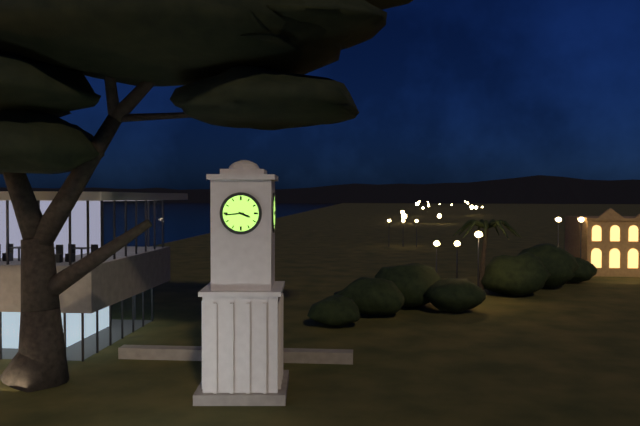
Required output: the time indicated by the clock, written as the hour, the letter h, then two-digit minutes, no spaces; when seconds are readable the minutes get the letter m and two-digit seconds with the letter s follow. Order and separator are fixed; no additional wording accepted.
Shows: 3h44
